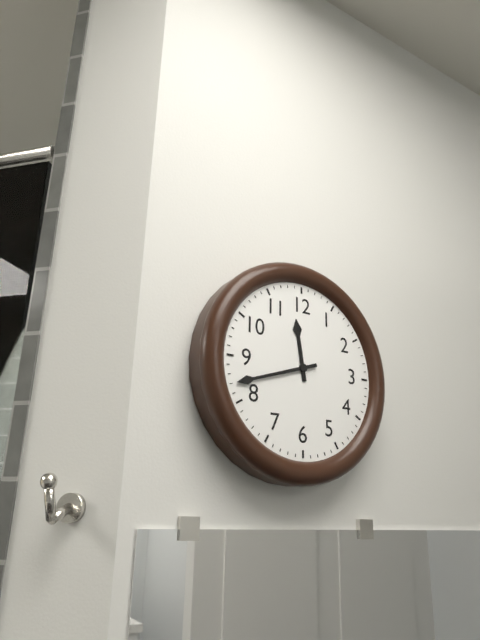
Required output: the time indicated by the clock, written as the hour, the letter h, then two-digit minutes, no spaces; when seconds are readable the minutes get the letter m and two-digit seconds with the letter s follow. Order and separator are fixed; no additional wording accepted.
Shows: 11h42
